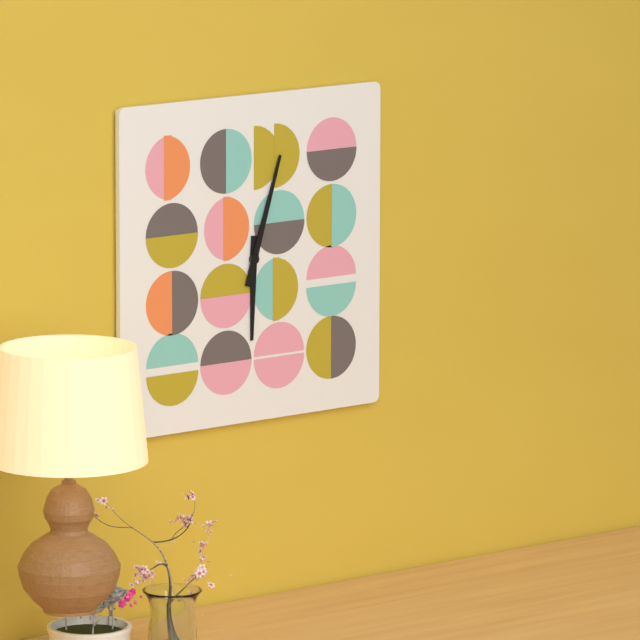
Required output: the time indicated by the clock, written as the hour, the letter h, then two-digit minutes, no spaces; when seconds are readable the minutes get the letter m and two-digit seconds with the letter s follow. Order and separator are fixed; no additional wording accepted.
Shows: 6h03
